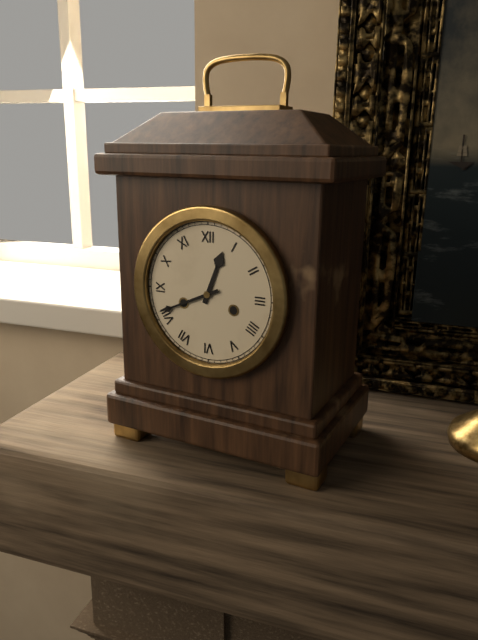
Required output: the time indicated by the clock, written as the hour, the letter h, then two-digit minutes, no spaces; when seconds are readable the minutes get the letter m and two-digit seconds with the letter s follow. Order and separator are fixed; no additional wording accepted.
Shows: 12h41
